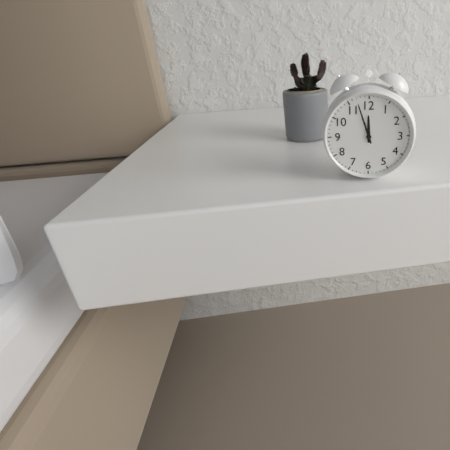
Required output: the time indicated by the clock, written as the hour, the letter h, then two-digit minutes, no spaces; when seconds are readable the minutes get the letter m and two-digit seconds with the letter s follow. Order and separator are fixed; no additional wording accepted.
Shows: 11h57
